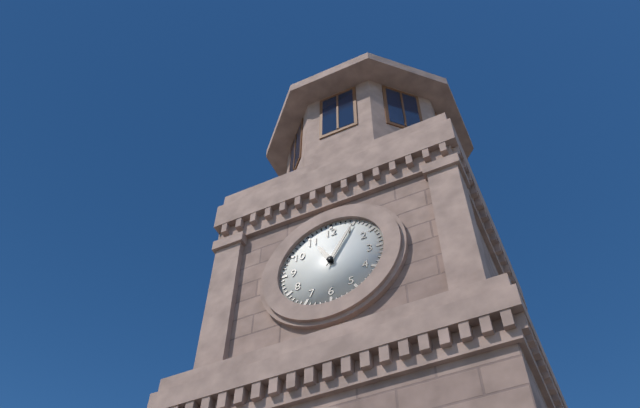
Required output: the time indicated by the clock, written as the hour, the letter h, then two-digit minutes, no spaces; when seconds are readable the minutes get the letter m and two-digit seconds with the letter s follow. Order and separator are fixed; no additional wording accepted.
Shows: 11h05
